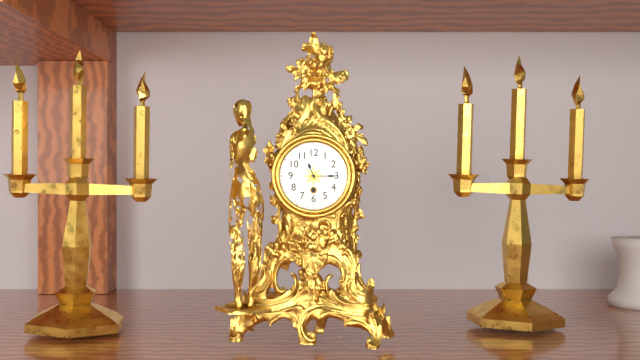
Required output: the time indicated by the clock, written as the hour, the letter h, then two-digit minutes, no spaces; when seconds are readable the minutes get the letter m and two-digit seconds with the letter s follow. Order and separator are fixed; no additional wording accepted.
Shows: 11h15
